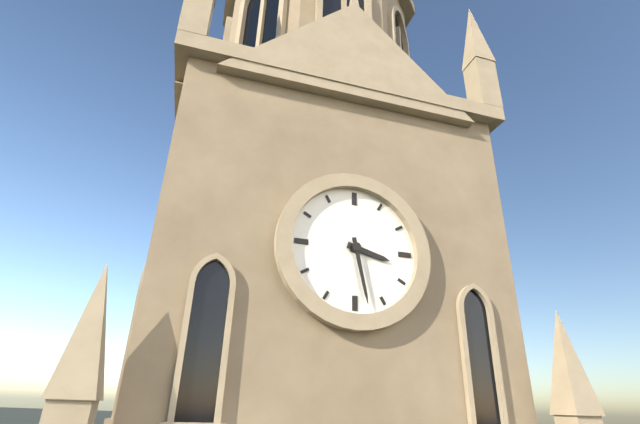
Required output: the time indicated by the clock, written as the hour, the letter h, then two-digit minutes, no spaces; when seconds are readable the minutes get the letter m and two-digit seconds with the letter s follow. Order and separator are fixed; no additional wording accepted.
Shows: 3h28
